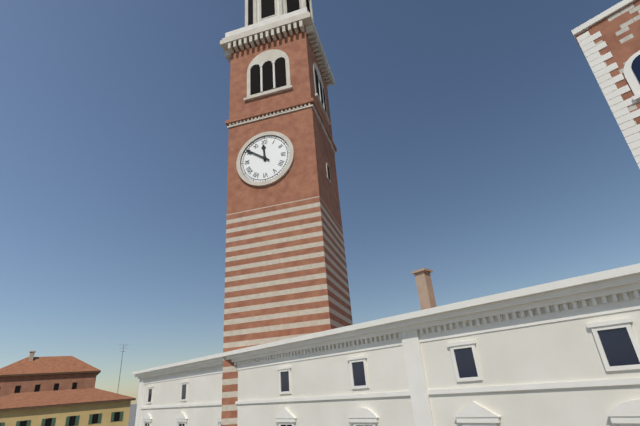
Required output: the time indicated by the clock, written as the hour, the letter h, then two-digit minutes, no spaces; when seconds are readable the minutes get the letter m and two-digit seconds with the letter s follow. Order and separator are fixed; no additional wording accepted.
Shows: 11h51
